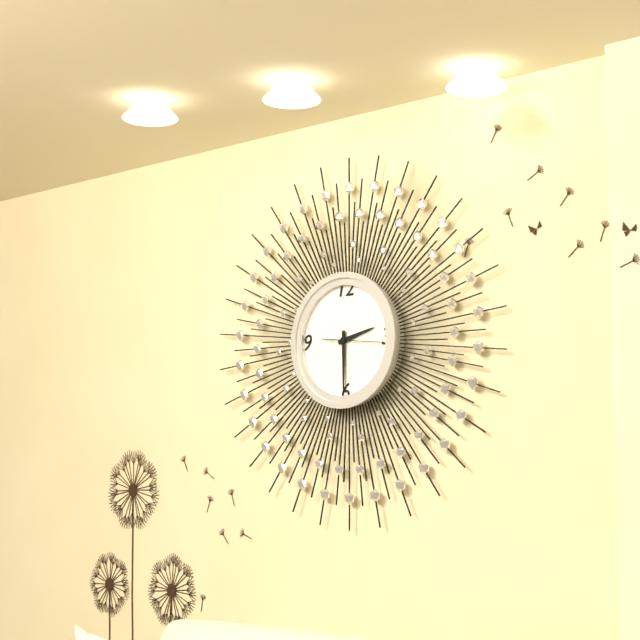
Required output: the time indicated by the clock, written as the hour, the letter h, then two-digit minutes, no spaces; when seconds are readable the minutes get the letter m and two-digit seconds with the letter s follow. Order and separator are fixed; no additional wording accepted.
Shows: 2h30
